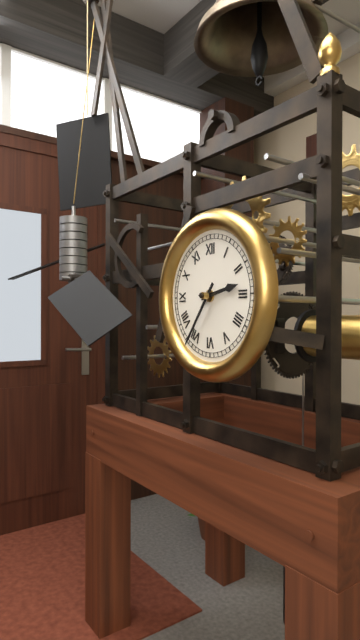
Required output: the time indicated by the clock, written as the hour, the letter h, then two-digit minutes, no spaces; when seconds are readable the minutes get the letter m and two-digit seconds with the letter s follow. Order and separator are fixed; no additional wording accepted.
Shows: 2h36
